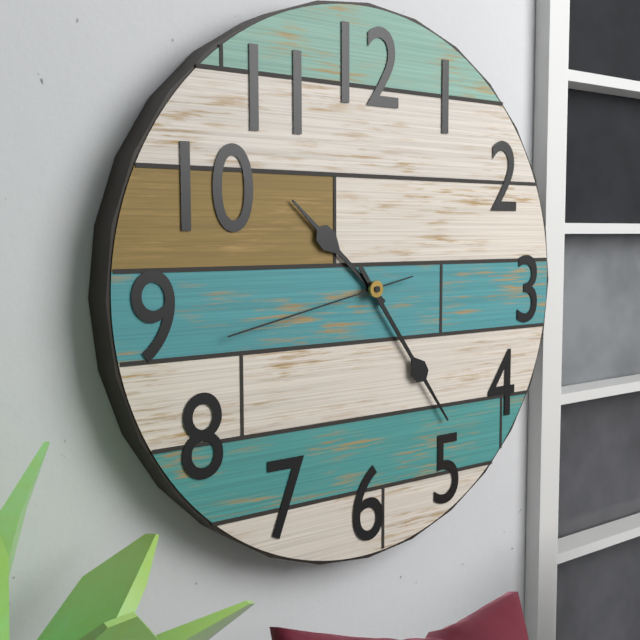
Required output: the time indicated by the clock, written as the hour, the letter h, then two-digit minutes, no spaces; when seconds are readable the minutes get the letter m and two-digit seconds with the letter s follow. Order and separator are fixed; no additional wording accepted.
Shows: 10h24m43s
